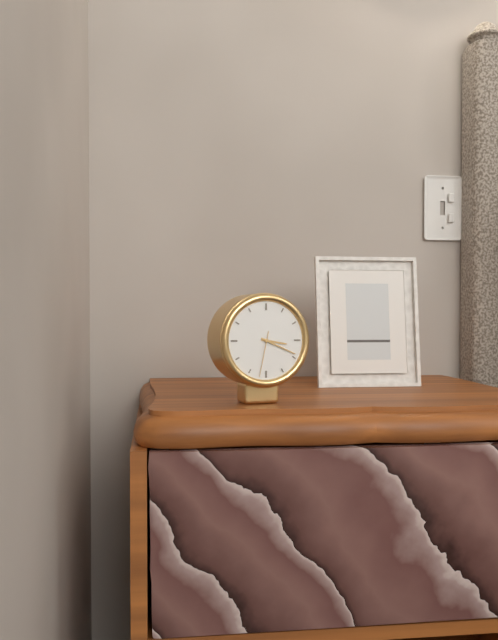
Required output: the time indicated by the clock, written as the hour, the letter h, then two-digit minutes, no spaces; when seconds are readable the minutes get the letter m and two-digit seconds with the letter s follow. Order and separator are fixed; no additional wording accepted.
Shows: 3h19
